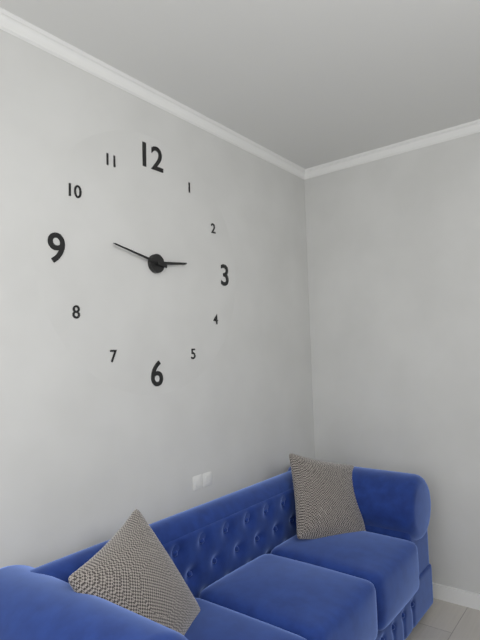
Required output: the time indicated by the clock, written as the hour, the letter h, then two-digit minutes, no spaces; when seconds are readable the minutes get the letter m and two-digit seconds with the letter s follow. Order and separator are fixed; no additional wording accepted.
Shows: 2h47
